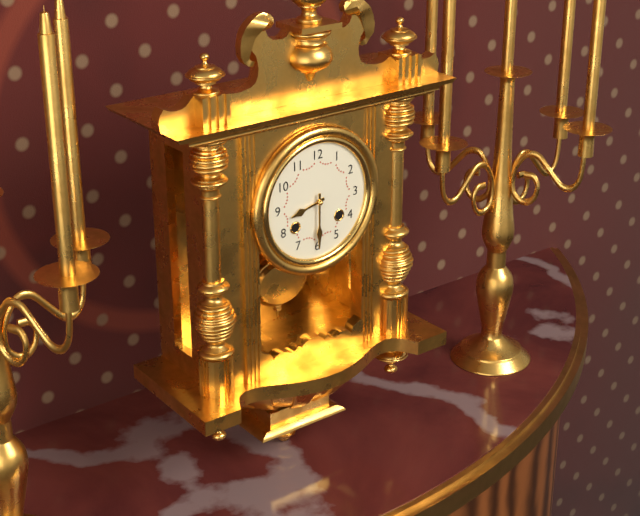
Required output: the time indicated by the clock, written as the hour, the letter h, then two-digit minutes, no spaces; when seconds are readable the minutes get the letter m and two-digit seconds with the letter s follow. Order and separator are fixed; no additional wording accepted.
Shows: 8h30
